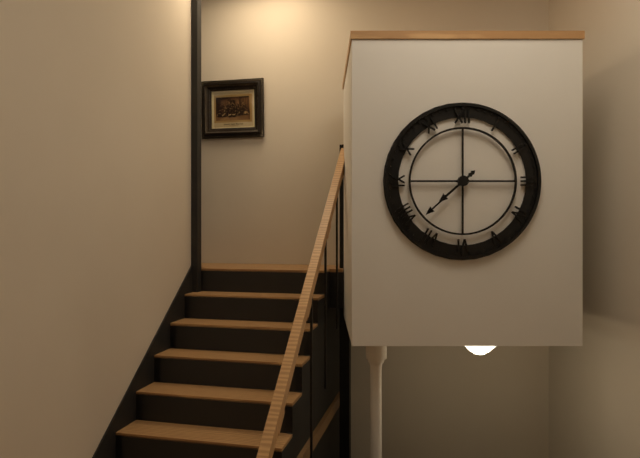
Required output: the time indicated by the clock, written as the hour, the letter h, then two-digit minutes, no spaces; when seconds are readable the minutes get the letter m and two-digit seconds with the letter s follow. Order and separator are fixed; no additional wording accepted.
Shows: 7h38
